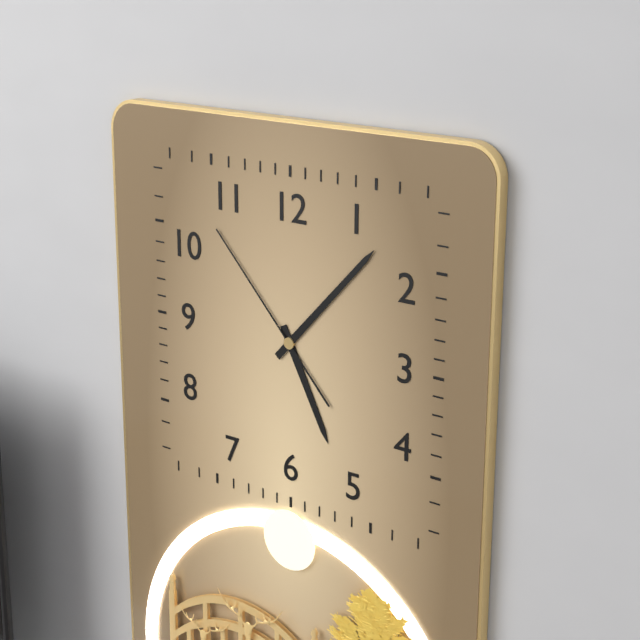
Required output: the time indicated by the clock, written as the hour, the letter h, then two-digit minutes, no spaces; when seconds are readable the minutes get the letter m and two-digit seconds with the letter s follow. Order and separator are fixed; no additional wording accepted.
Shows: 5h07m53s
